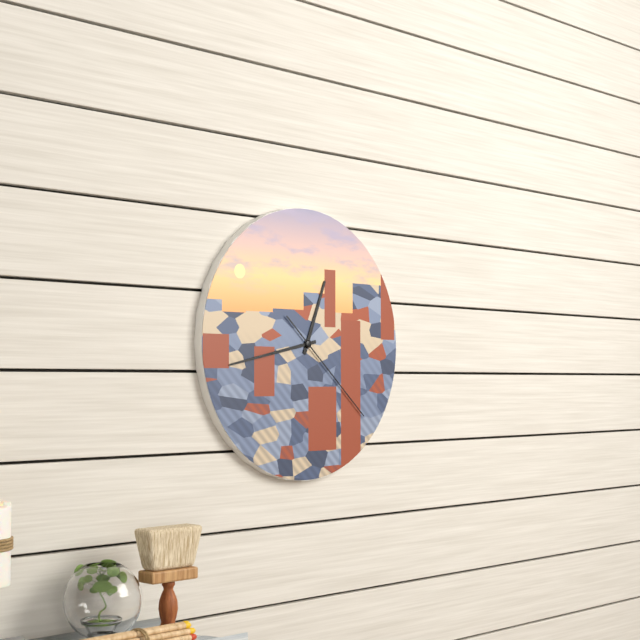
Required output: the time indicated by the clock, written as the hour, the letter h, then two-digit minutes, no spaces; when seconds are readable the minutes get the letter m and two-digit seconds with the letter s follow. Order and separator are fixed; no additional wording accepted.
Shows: 12h43m22s
